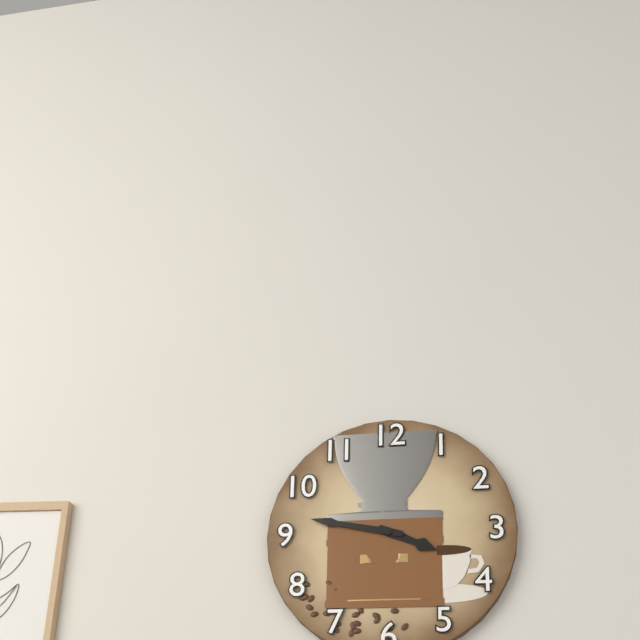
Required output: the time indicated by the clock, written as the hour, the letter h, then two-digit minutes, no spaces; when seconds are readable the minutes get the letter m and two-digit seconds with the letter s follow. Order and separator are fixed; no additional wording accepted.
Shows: 3h47
